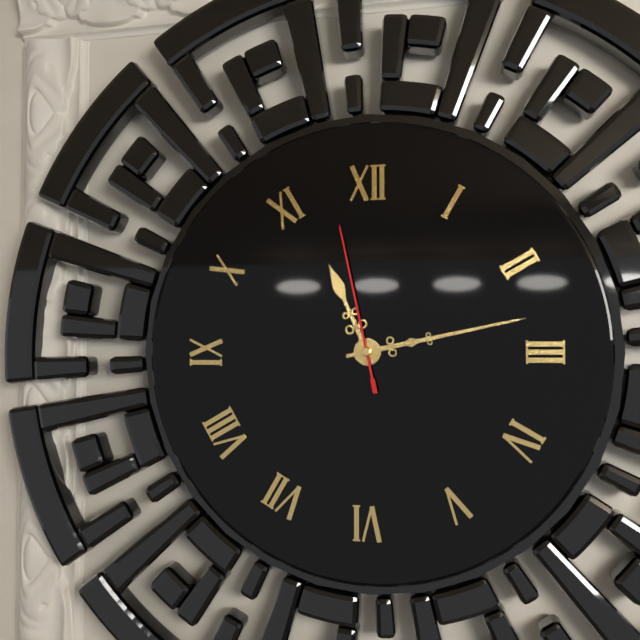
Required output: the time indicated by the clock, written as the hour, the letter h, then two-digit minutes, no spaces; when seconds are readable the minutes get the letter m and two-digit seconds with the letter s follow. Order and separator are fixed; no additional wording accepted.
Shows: 11h13m58s
